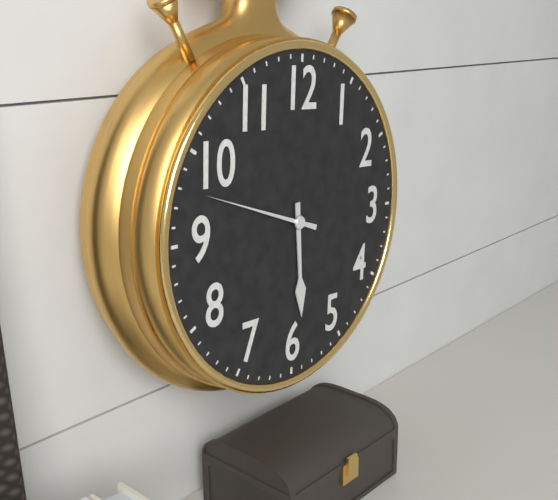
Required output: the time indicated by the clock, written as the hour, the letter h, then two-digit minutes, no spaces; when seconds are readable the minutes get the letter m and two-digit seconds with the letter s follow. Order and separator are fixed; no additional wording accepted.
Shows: 5h48
